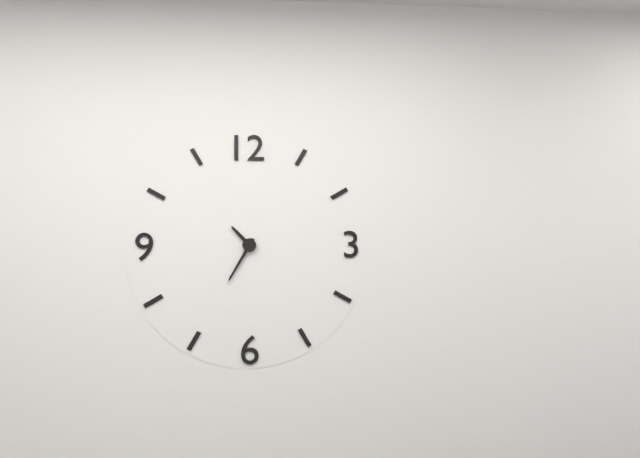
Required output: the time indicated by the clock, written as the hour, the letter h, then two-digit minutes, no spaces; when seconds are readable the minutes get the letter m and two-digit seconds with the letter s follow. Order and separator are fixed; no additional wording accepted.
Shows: 10h35
